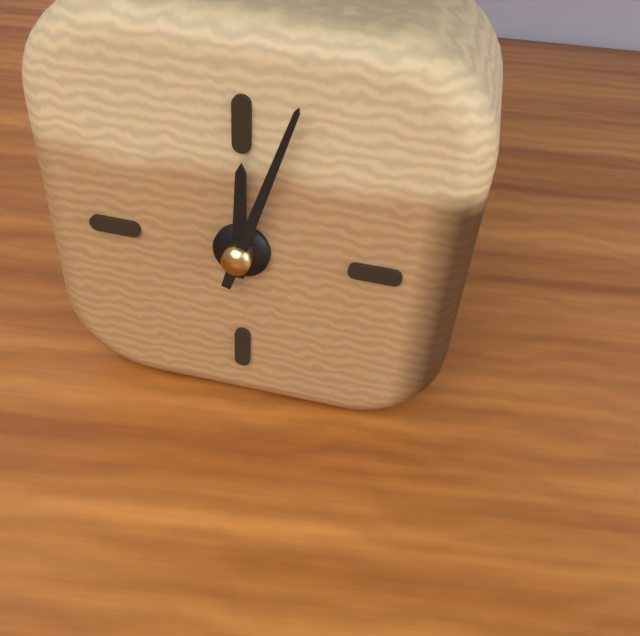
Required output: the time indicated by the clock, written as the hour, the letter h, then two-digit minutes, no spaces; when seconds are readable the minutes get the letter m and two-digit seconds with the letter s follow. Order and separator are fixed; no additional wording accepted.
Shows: 12h03
